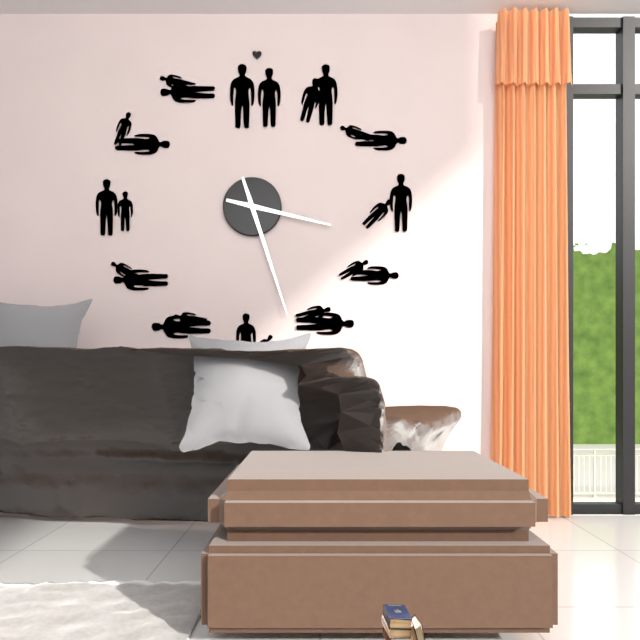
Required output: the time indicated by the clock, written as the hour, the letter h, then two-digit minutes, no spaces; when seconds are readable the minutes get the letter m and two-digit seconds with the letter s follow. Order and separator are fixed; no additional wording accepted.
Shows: 3h27
